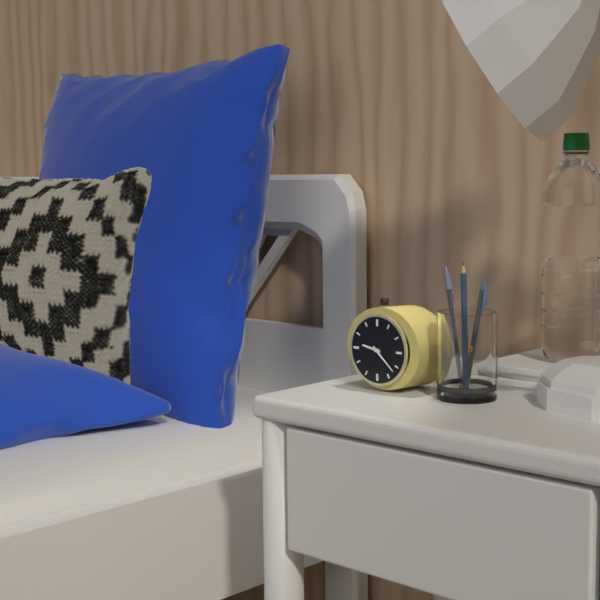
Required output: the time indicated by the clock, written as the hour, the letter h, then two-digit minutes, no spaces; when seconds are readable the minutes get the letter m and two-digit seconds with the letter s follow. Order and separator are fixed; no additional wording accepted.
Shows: 9h22
